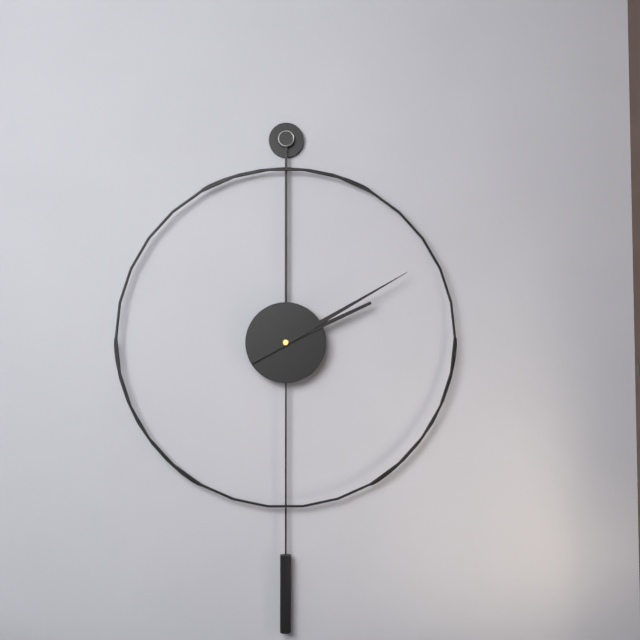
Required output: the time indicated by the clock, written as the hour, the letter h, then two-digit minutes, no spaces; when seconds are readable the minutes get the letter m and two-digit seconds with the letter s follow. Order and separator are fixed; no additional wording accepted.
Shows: 2h10
